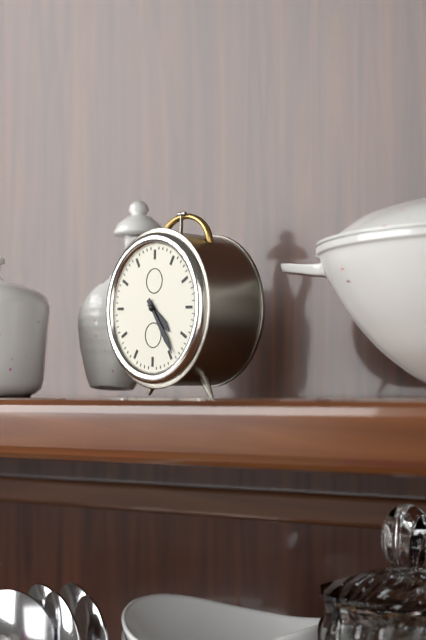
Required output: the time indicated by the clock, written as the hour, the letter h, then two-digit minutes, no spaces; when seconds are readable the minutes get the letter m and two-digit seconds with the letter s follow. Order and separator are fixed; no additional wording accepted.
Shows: 4h24
